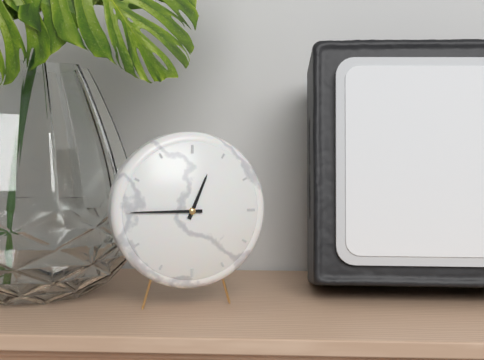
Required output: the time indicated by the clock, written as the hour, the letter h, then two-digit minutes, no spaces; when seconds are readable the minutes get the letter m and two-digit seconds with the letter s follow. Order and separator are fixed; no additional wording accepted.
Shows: 12h45
